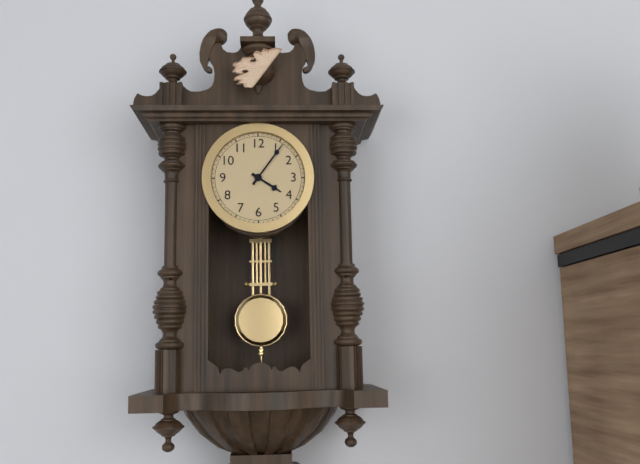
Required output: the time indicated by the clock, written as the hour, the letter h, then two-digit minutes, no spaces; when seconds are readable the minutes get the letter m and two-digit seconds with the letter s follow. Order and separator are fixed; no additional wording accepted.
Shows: 4h06
